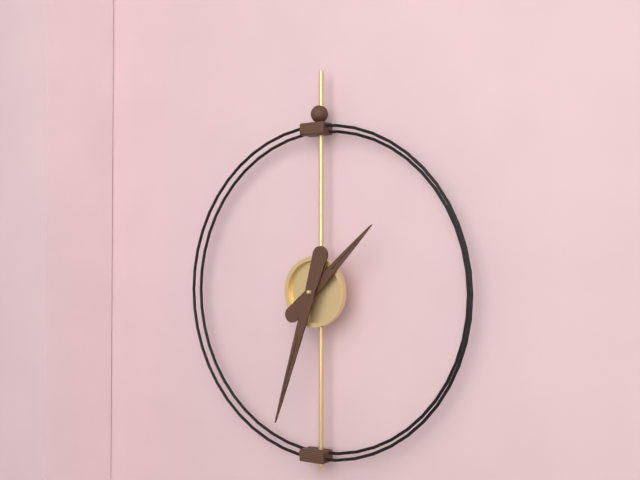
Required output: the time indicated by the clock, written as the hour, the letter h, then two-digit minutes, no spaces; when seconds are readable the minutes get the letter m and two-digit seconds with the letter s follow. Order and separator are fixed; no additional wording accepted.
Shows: 1h33
